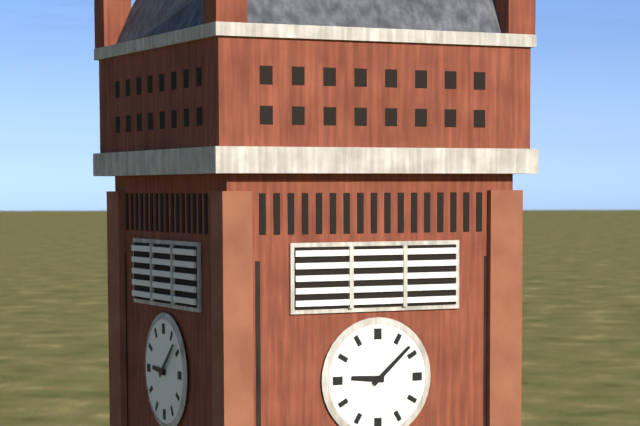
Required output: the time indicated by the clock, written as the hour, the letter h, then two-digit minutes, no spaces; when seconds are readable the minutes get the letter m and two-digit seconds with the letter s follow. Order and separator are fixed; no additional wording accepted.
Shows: 9h08
